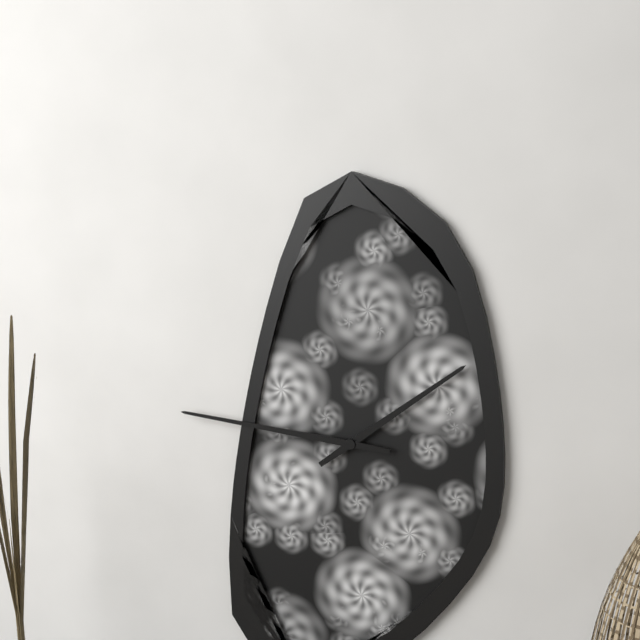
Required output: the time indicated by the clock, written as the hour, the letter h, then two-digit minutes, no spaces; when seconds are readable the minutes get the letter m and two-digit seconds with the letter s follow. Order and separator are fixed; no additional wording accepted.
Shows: 1h46
